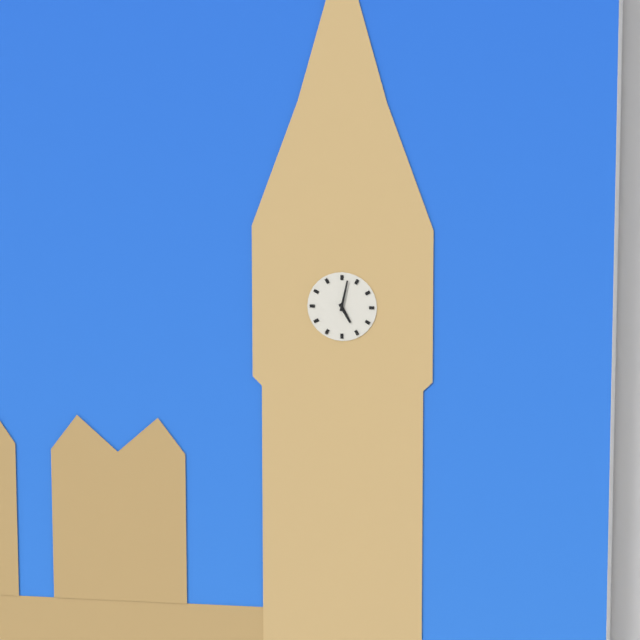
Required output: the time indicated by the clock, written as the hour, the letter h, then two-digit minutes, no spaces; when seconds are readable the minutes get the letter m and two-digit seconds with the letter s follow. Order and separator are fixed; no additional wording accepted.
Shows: 5h02
